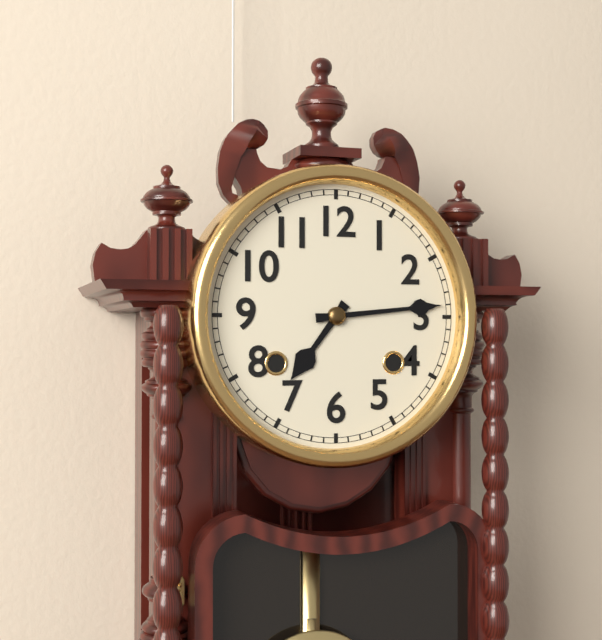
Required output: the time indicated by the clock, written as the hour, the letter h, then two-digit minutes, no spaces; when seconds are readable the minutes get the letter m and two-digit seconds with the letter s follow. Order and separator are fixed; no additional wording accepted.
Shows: 7h14
